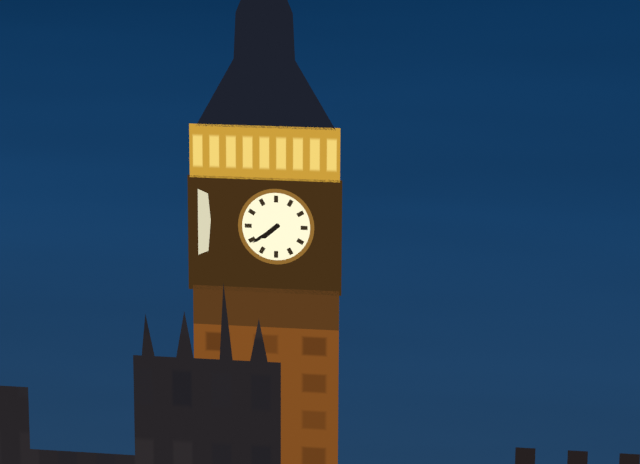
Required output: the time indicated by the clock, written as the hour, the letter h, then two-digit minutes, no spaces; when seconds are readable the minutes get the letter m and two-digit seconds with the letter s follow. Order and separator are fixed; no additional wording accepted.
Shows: 7h39
